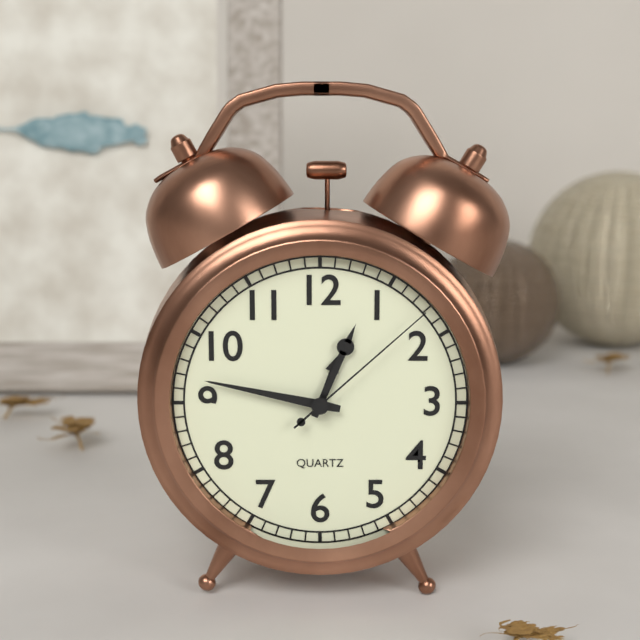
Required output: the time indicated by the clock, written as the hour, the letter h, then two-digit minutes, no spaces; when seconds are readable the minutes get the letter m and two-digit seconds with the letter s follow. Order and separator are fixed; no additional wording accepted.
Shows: 12h47m08s
